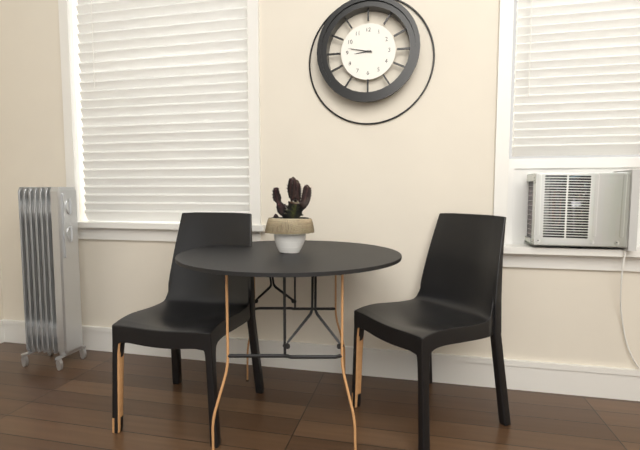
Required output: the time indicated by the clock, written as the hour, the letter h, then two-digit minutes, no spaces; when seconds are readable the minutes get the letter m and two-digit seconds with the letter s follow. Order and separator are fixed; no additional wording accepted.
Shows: 8h47
